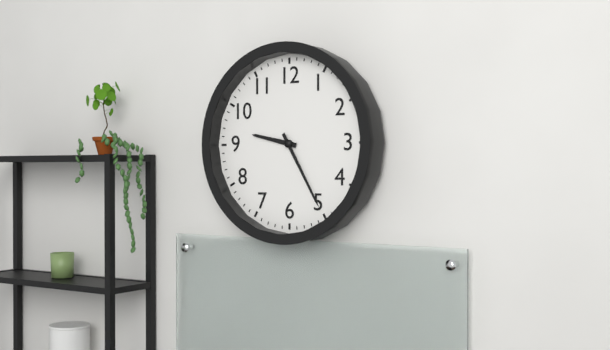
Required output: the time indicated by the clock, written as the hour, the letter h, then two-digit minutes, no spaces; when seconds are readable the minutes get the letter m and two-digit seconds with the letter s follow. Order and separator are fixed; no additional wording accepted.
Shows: 9h25
